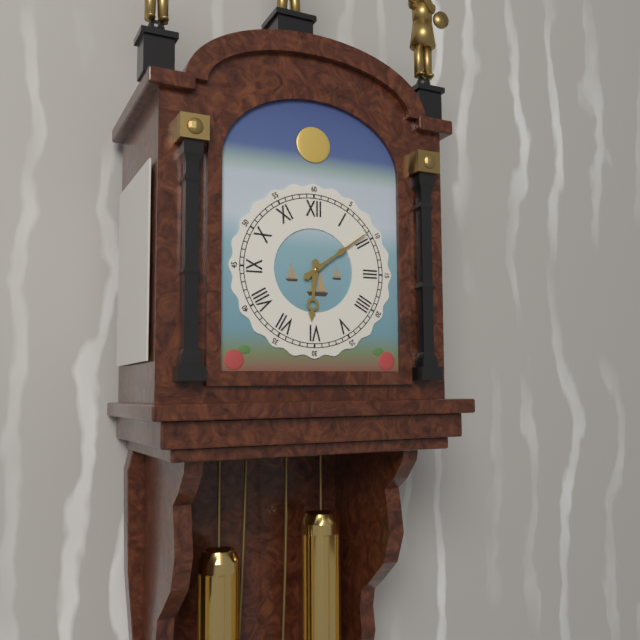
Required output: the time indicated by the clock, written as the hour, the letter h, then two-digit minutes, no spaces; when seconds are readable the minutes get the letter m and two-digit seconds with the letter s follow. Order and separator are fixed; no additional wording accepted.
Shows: 6h09
